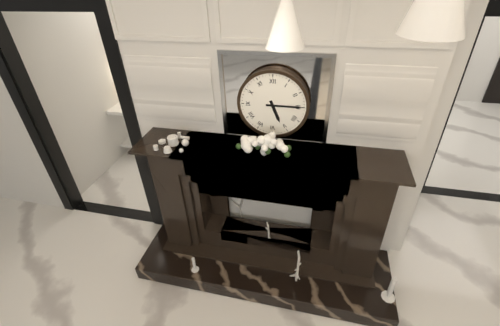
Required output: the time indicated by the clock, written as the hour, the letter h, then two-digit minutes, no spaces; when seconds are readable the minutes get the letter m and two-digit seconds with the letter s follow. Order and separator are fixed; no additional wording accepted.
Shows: 5h15
